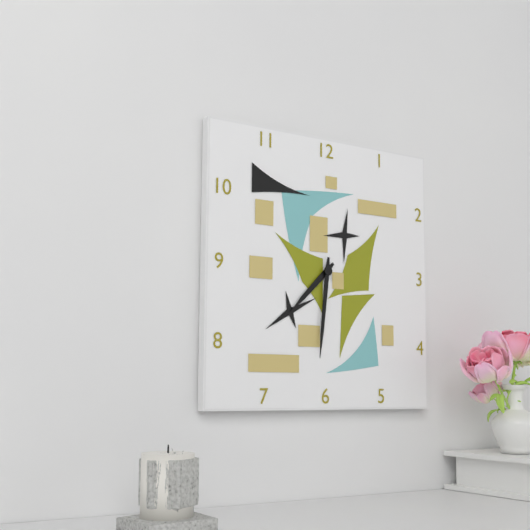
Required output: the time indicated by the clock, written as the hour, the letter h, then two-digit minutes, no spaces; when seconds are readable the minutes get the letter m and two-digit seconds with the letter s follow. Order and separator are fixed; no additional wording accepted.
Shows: 7h31
